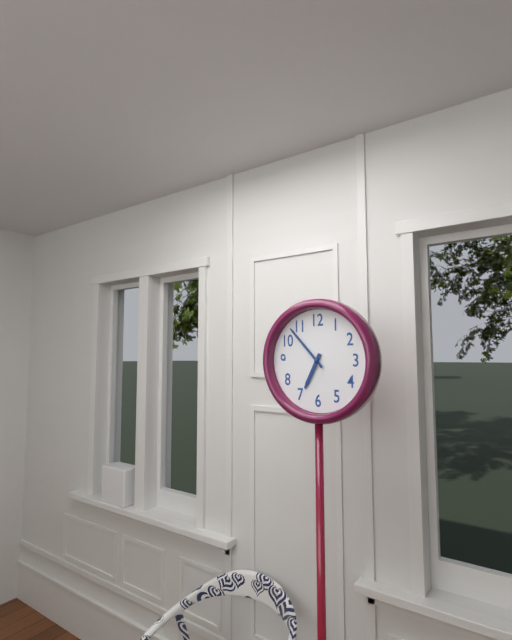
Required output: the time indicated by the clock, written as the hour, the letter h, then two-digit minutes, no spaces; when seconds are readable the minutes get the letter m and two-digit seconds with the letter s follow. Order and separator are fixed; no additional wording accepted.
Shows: 6h53
